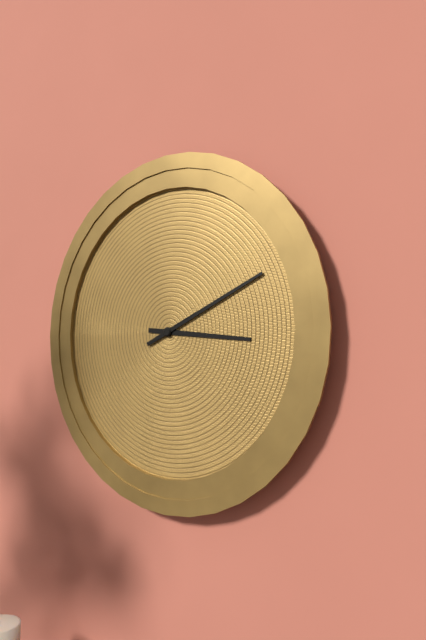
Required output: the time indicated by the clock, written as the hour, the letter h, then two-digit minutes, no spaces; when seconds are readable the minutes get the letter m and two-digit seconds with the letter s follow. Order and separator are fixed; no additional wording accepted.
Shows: 3h11
